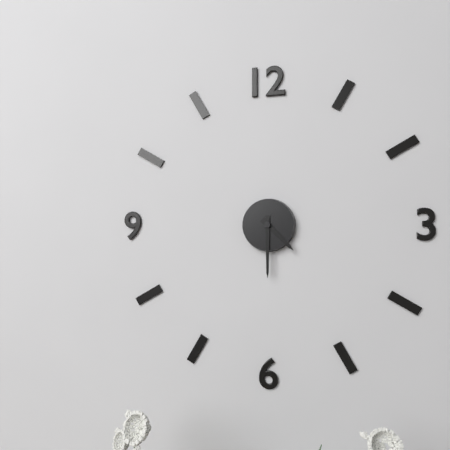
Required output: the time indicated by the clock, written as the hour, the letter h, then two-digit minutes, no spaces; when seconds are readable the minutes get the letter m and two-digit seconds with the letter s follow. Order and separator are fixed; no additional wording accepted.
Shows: 4h30
